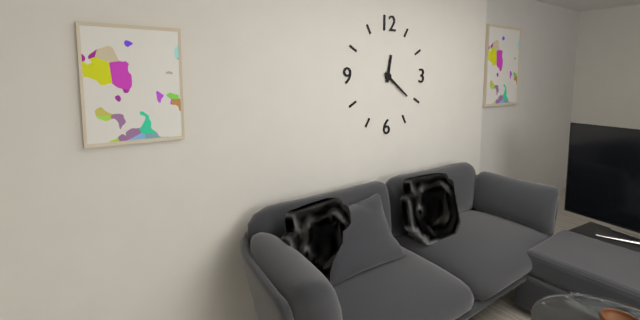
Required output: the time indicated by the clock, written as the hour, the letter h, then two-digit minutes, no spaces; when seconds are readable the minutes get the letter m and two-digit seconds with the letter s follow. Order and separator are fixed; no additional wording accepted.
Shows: 12h21
